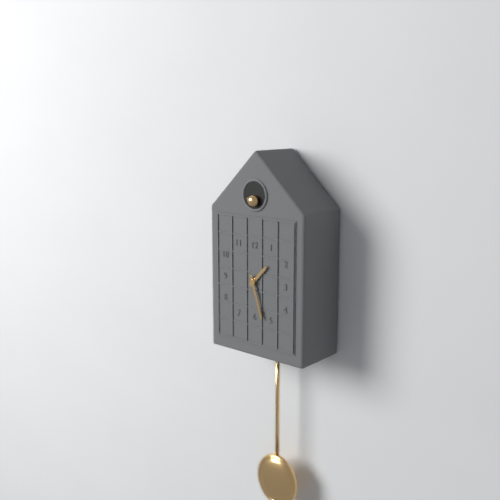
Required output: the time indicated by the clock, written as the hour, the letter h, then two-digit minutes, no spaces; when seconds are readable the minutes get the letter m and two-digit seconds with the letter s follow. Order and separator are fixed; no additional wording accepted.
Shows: 1h27
